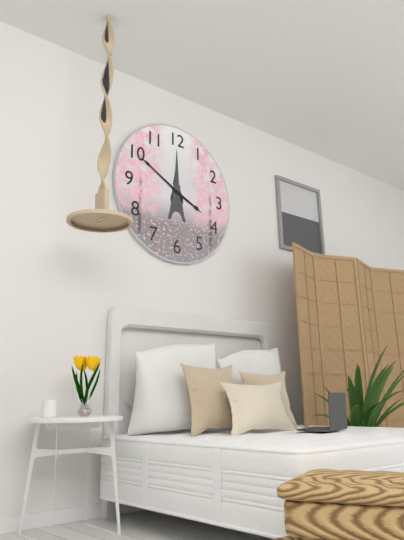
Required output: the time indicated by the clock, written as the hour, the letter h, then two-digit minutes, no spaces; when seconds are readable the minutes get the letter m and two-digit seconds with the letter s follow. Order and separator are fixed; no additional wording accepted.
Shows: 3h50
